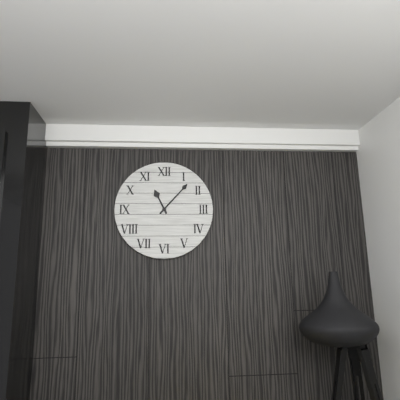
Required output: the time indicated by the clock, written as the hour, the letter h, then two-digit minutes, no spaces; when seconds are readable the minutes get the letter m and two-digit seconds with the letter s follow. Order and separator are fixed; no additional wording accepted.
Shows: 11h07
